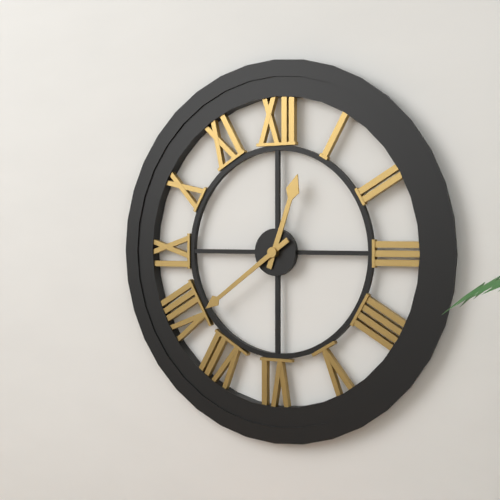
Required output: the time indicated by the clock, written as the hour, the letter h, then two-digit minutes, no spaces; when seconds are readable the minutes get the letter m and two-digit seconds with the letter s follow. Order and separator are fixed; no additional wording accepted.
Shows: 12h39
